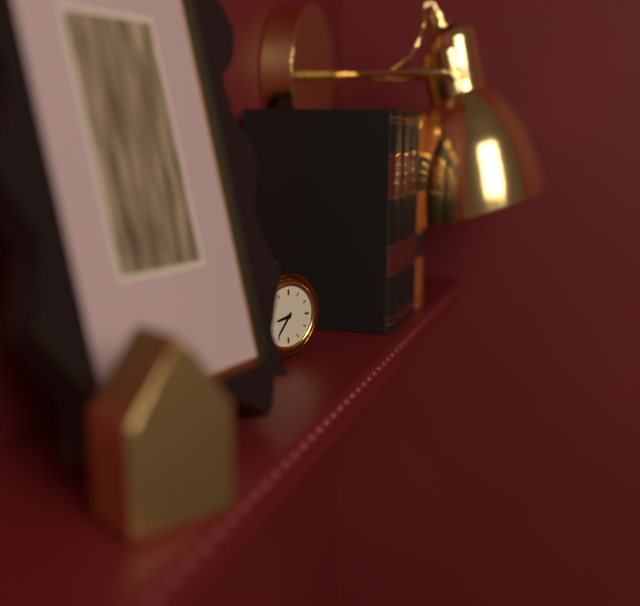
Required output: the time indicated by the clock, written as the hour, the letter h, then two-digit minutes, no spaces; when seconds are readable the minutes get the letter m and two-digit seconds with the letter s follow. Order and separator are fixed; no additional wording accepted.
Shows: 8h36
